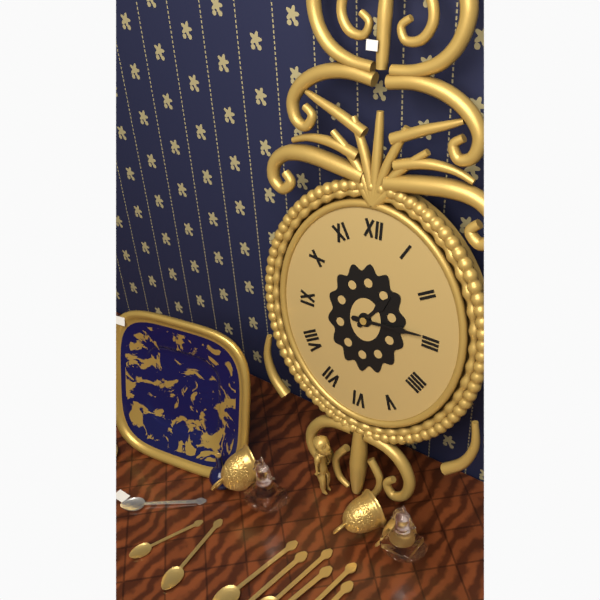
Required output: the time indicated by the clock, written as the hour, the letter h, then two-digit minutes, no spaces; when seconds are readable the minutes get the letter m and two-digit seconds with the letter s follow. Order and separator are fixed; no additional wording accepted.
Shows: 1h14
